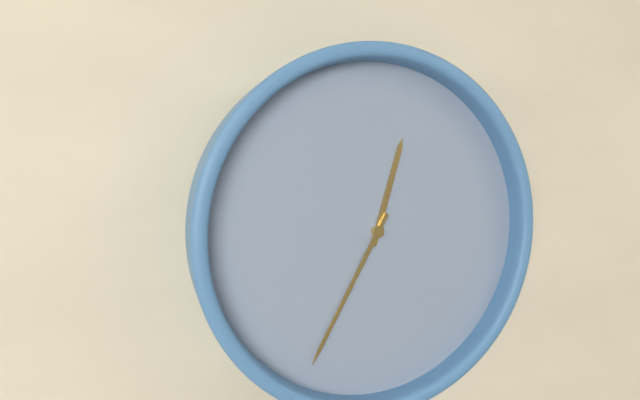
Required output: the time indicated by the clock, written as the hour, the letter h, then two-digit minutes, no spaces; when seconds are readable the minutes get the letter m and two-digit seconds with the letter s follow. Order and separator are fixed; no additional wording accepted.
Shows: 12h35
